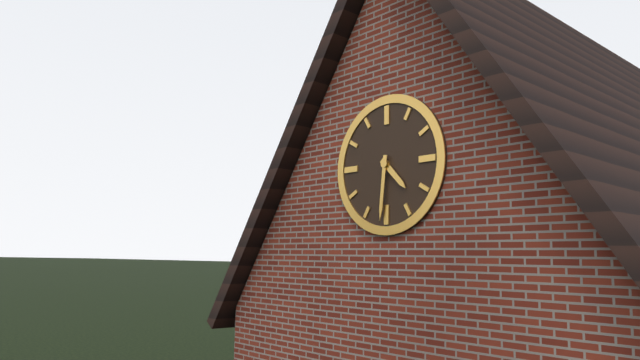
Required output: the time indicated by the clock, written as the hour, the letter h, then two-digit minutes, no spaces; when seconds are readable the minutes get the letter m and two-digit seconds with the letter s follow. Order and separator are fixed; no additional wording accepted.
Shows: 4h31
